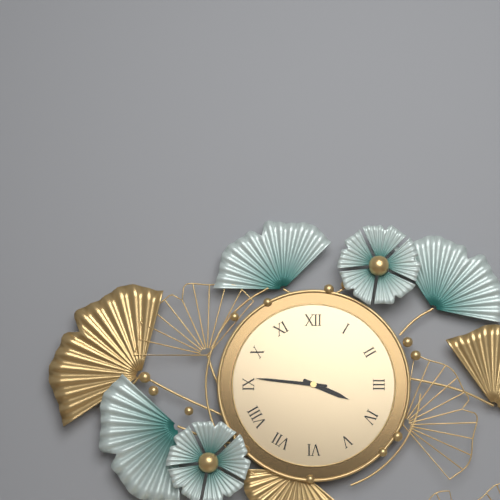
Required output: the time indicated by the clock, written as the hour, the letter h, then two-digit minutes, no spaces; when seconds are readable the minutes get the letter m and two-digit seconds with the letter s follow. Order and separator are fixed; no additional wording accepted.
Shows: 3h46
